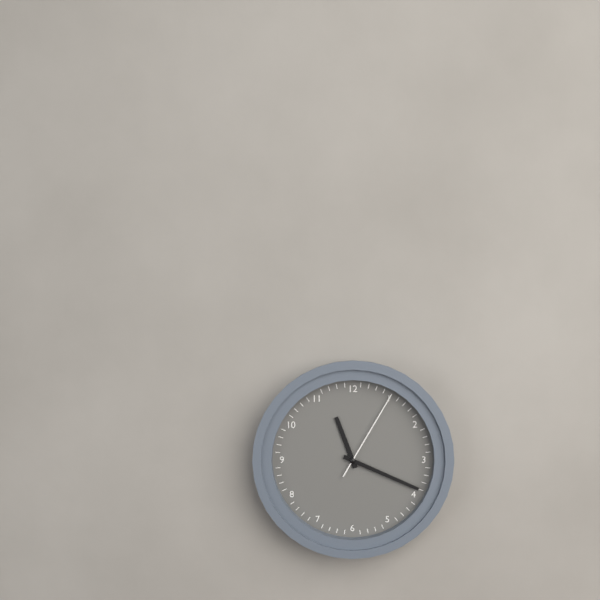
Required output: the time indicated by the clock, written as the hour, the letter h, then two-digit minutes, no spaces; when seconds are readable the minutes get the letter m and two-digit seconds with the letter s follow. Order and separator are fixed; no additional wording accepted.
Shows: 11h19m05s
